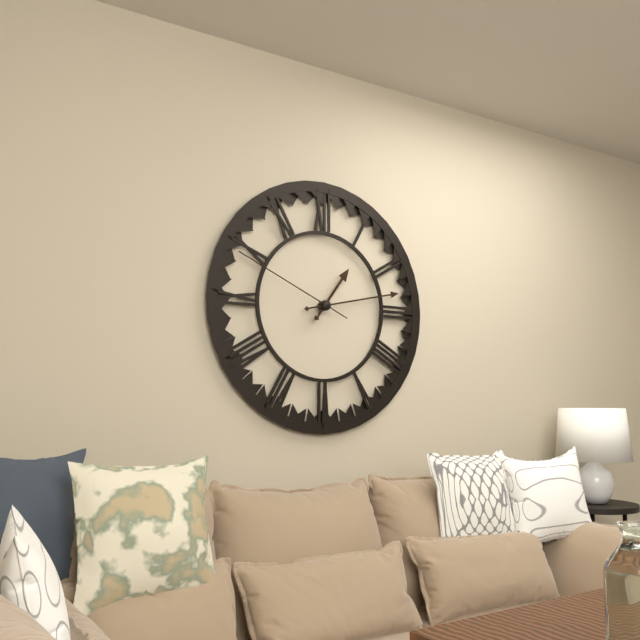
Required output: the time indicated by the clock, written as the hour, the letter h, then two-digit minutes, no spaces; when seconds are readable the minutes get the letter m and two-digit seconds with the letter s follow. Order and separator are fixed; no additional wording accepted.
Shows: 1h13m49s
